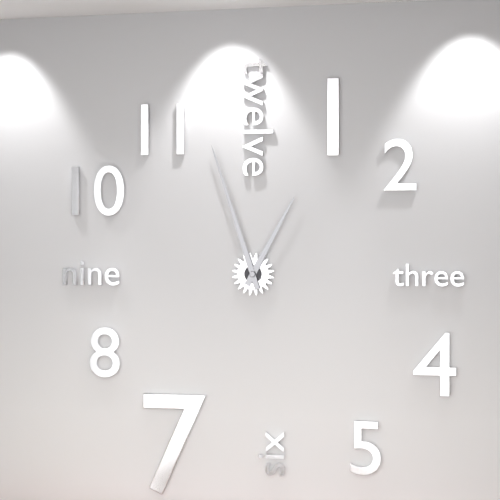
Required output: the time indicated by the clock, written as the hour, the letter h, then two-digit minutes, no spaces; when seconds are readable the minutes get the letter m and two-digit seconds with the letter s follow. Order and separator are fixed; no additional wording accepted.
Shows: 12h57
